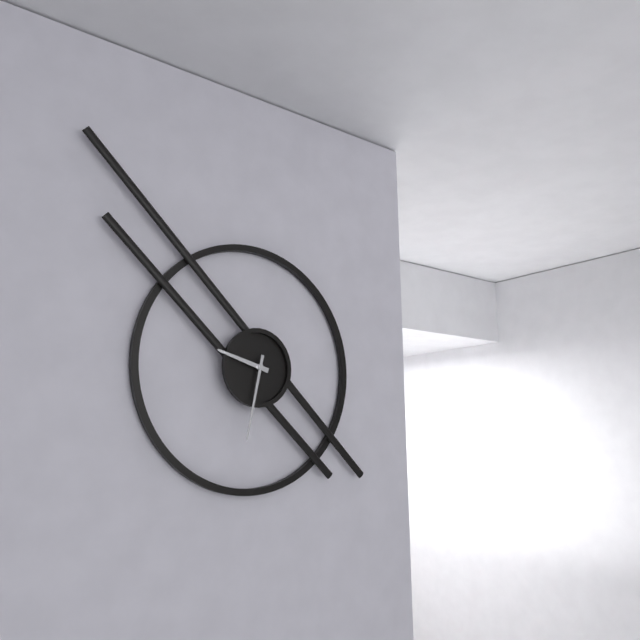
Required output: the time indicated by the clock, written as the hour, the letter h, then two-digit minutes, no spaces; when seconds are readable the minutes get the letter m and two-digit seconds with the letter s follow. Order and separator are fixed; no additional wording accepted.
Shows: 9h32
